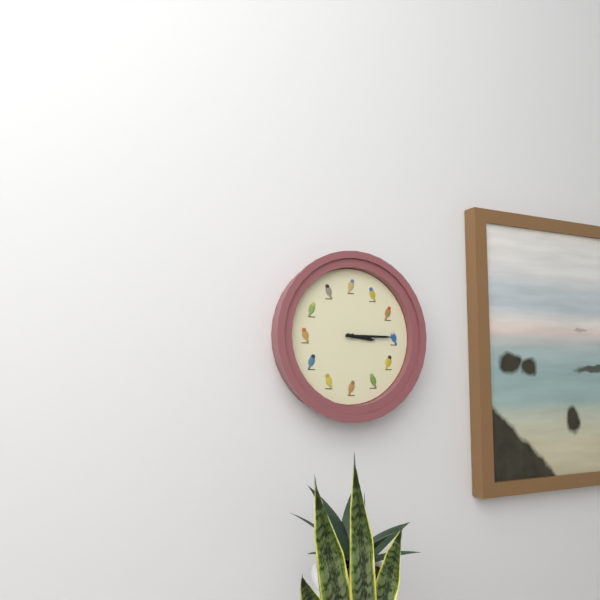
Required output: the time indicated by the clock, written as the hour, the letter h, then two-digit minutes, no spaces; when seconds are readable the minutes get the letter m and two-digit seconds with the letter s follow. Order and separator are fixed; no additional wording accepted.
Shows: 3h15
